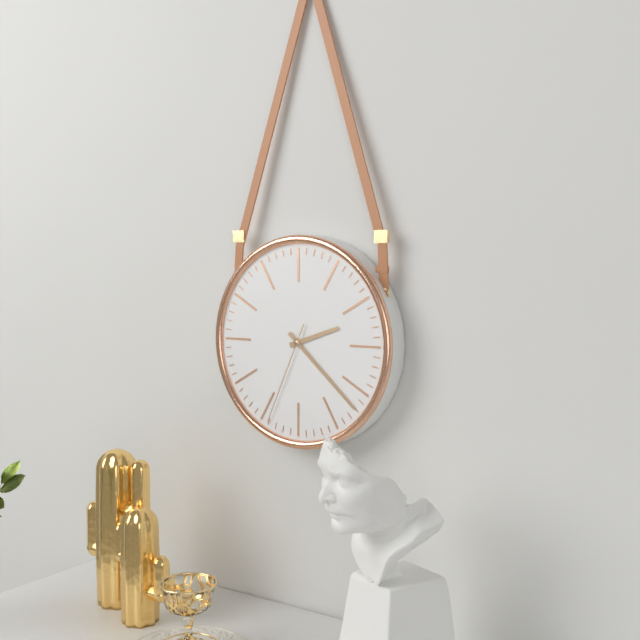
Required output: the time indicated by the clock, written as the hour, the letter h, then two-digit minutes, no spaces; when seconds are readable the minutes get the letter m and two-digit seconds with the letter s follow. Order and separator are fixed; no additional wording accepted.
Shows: 2h22m34s
